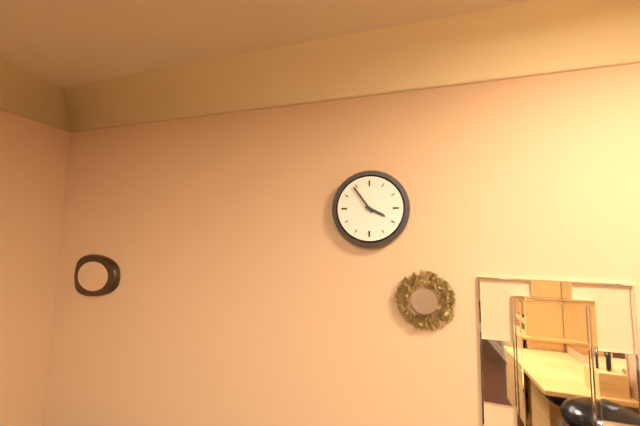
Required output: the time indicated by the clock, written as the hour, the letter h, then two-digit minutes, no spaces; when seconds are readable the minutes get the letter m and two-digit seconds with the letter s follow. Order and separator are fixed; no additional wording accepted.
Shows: 3h54
